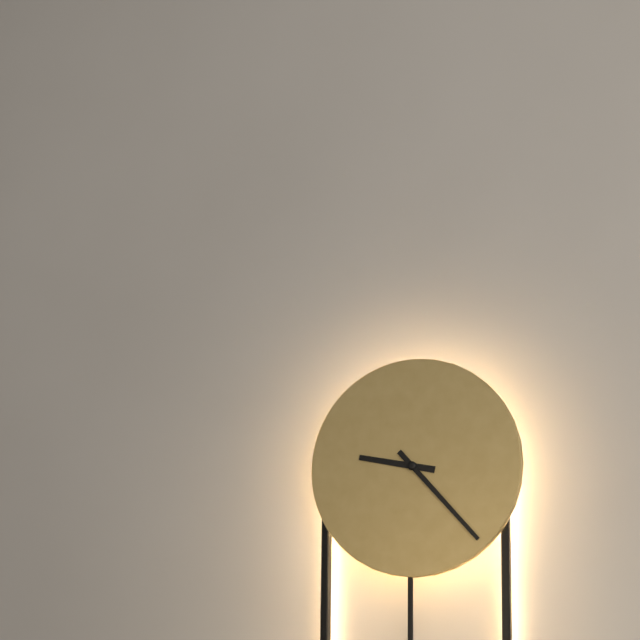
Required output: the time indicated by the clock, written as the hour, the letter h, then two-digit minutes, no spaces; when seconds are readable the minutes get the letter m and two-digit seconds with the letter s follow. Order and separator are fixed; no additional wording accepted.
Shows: 9h23
